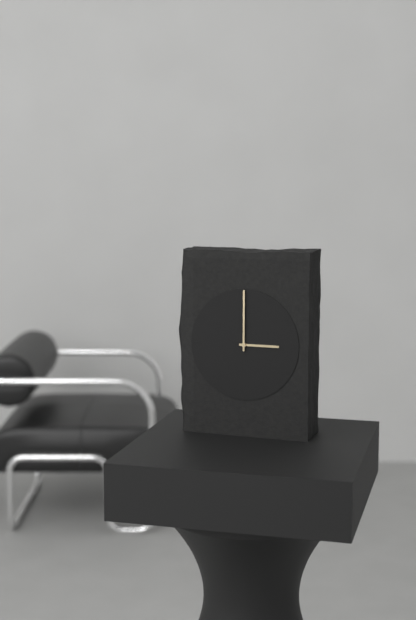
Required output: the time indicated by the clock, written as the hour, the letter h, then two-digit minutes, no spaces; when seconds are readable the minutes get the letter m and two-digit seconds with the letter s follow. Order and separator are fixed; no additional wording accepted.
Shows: 3h00
